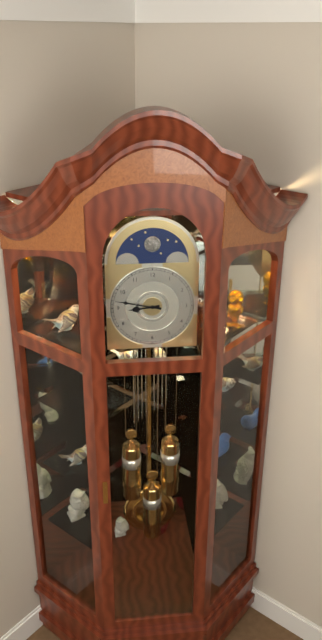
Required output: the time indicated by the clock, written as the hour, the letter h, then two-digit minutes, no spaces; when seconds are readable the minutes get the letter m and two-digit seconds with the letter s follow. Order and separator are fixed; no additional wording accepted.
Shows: 8h47
